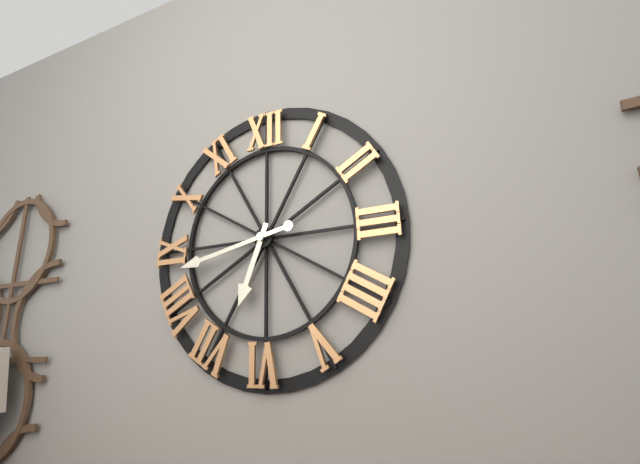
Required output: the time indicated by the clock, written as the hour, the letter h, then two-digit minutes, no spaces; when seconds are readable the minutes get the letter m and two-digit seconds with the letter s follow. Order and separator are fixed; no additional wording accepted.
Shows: 6h43
